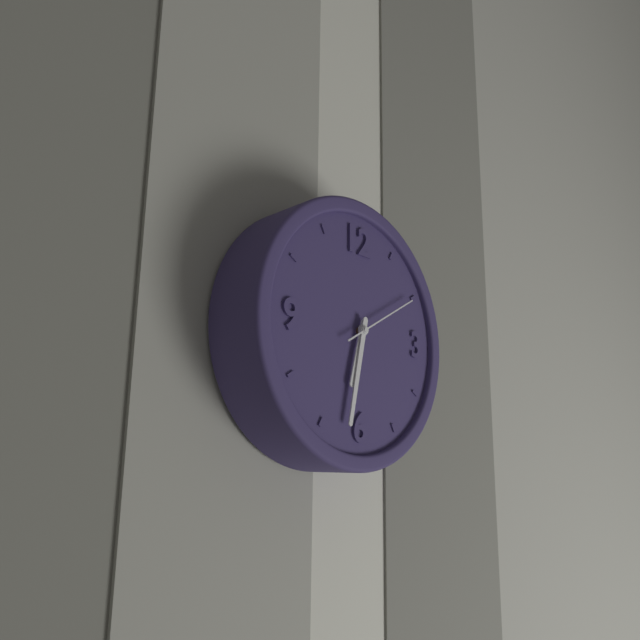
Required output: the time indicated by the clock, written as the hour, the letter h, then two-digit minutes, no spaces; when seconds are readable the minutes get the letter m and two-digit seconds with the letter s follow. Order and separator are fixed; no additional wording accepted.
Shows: 6h32m10s
